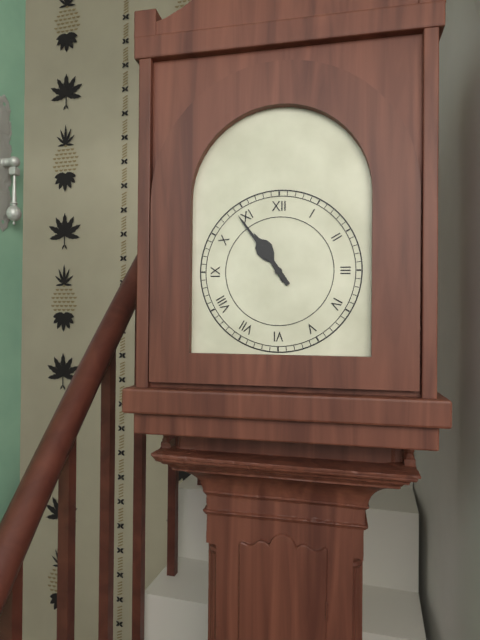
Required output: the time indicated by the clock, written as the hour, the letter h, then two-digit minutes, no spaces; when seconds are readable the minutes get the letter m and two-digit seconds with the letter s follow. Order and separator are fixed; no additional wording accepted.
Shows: 10h54
